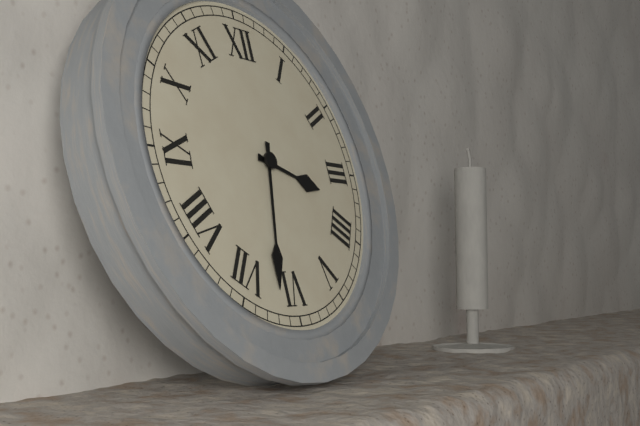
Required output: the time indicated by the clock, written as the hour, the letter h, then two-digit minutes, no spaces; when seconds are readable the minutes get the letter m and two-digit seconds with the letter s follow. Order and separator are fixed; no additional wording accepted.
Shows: 3h32
